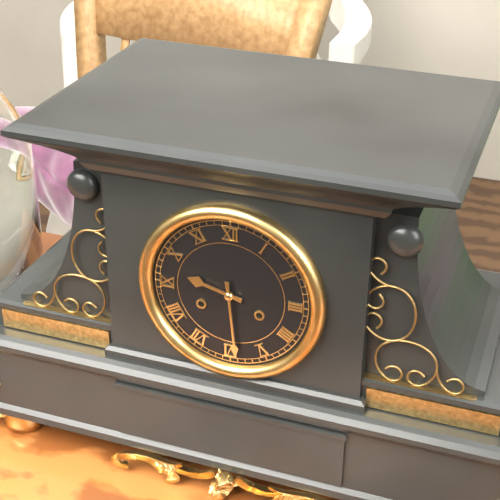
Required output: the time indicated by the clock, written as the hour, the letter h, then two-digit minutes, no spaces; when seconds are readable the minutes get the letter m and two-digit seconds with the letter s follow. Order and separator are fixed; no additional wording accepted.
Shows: 9h29
